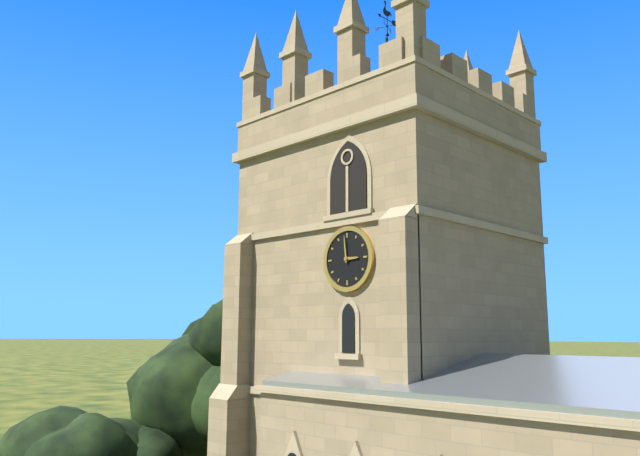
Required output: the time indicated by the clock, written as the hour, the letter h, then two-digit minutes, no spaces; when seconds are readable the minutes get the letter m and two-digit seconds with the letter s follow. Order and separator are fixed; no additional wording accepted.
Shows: 2h59
